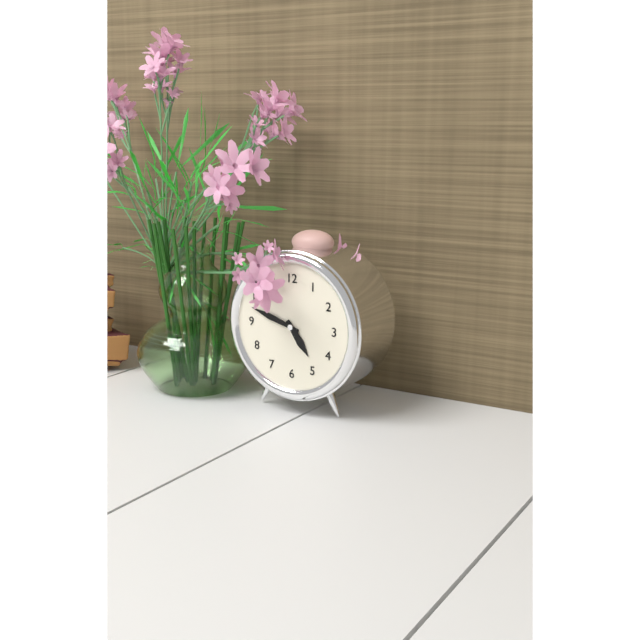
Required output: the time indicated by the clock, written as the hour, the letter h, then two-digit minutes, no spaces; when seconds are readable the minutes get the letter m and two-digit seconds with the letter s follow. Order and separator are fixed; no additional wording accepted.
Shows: 4h48
